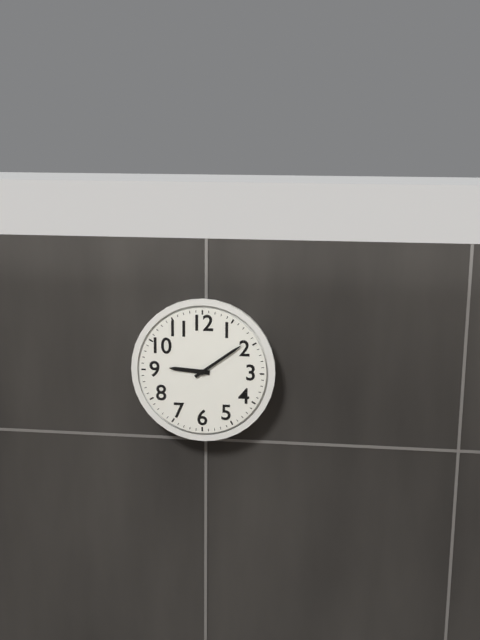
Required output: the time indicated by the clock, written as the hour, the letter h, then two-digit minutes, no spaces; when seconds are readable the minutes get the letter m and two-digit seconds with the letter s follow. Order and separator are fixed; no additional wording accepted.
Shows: 9h09
